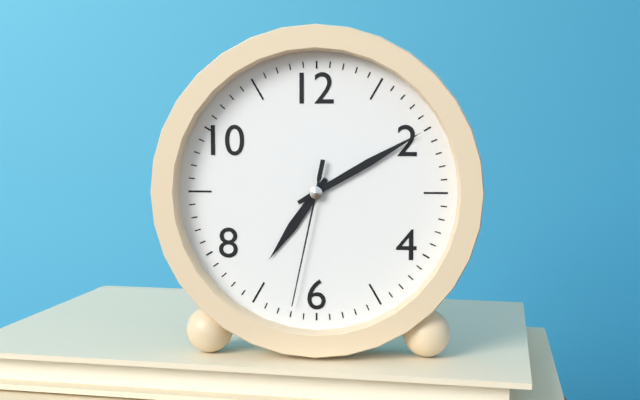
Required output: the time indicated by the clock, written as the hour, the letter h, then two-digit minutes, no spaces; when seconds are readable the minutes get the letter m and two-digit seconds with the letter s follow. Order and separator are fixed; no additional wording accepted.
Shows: 7h10m32s
